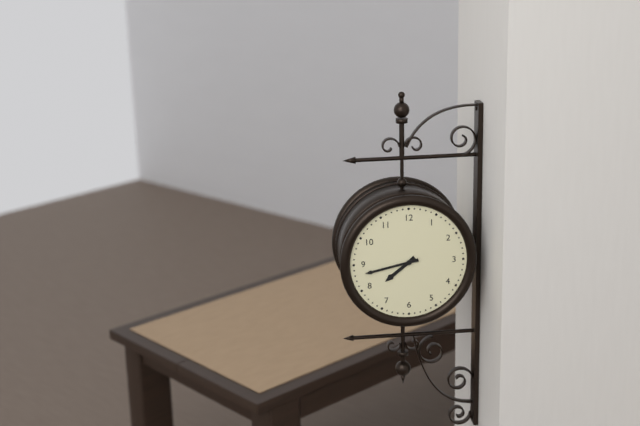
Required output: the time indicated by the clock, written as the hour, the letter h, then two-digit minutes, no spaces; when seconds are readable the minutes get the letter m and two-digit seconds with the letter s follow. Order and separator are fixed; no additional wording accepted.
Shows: 7h43
